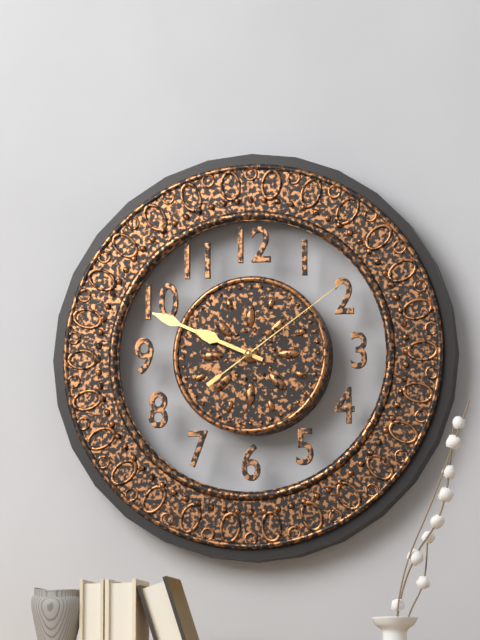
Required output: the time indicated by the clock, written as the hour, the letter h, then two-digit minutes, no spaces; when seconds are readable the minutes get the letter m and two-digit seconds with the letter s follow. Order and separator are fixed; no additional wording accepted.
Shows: 9h49m09s
